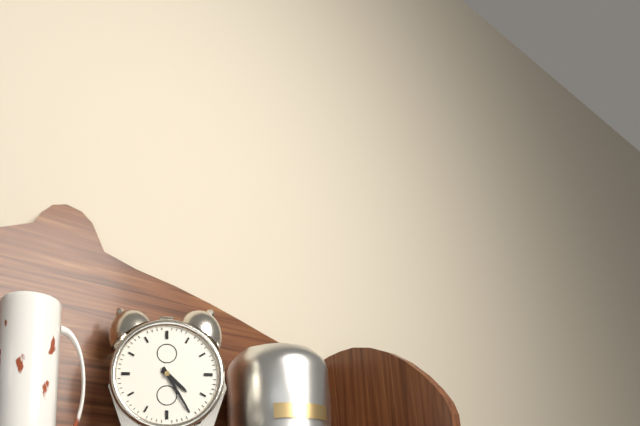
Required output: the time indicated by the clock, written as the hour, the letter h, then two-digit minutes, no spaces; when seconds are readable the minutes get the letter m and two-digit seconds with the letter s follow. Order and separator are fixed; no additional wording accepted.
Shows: 4h25
